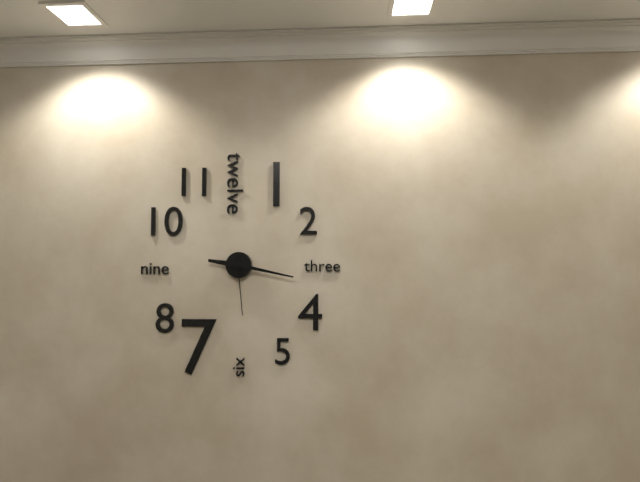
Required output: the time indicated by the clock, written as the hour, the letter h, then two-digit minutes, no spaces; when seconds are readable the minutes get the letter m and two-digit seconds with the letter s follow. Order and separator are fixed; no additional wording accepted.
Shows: 9h17m29s
